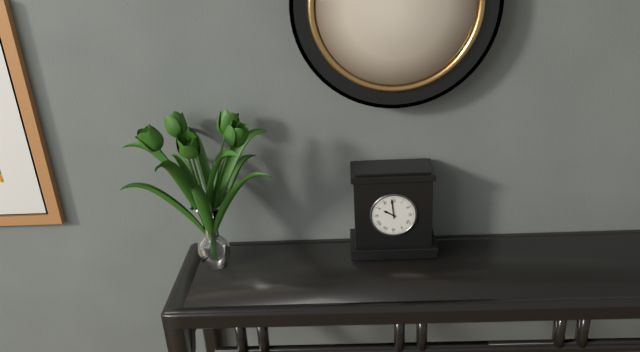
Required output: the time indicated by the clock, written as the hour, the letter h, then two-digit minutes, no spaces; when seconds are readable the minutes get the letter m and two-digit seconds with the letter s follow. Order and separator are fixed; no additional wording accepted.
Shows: 9h59
